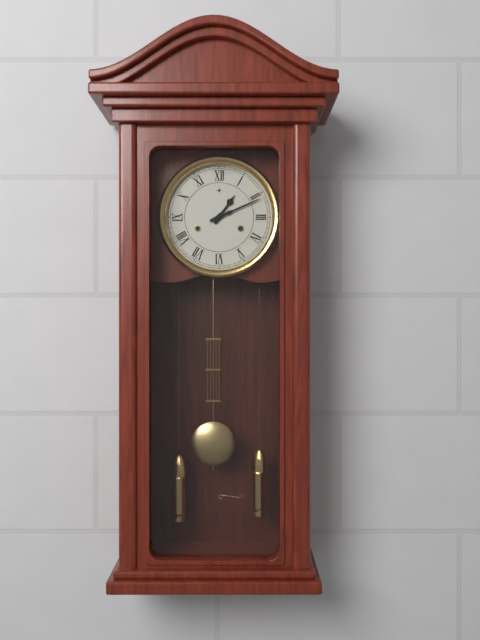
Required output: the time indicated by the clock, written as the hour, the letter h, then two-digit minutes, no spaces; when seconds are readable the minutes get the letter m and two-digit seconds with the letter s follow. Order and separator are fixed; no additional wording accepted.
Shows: 1h11
